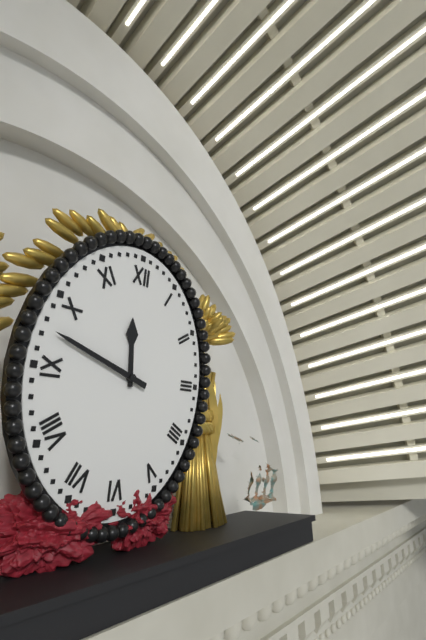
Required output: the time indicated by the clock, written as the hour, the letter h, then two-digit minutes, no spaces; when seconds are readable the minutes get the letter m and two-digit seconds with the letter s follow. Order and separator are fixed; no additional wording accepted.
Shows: 11h48
